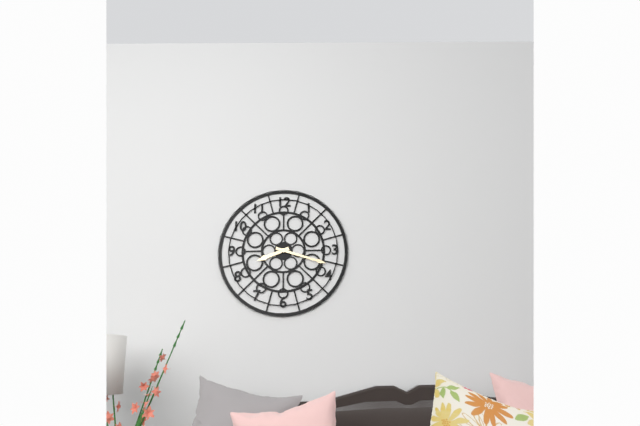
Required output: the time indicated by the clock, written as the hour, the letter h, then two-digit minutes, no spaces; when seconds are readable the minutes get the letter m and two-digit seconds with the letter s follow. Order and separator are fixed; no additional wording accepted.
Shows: 8h18
